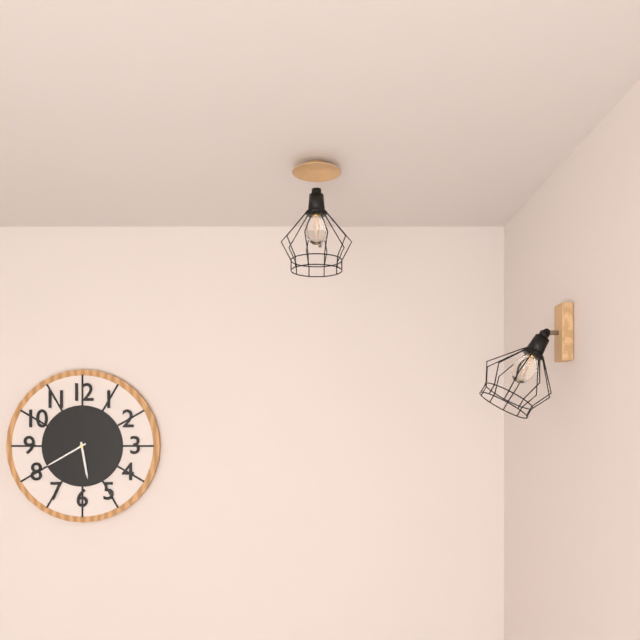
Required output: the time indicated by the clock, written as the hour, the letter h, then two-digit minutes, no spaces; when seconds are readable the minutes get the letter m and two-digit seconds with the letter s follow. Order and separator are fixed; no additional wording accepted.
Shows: 5h40
